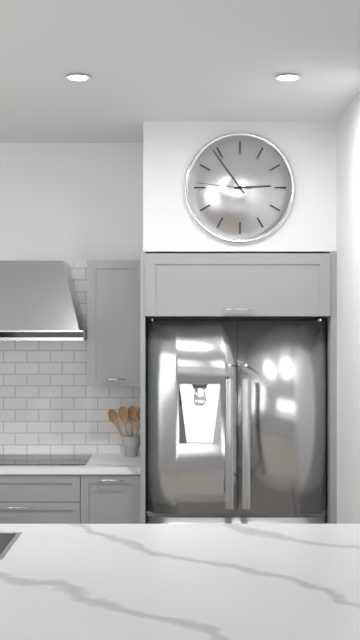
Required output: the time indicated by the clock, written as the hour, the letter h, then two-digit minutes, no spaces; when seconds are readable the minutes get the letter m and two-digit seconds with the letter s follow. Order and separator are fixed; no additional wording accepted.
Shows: 2h54m46s
